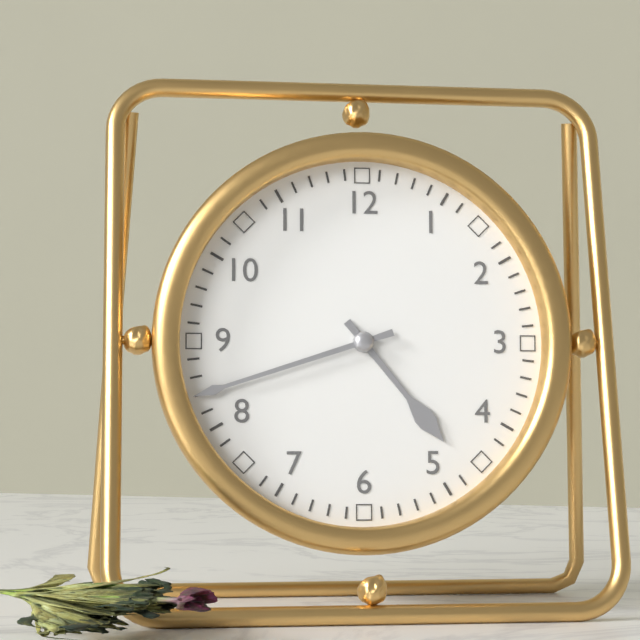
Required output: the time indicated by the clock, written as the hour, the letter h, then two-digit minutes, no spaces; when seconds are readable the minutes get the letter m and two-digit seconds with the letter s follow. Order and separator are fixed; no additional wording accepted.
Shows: 4h42
